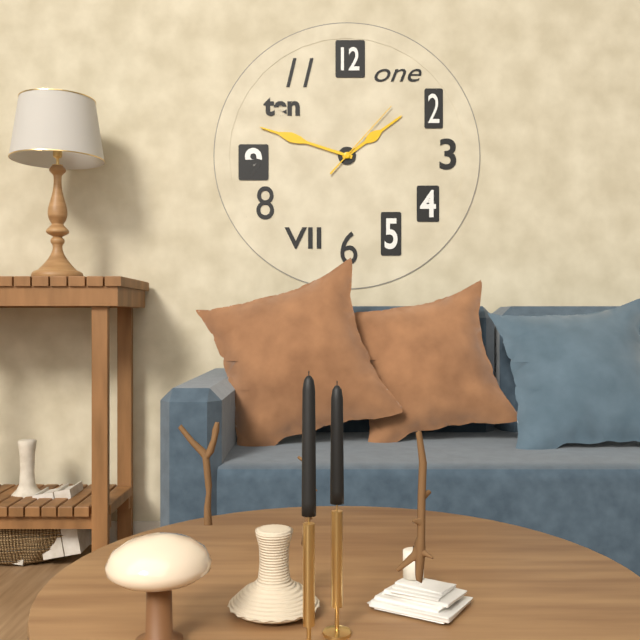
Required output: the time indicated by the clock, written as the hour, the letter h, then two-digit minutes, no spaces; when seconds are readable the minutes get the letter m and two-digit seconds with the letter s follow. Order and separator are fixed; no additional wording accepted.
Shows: 1h48m07s
